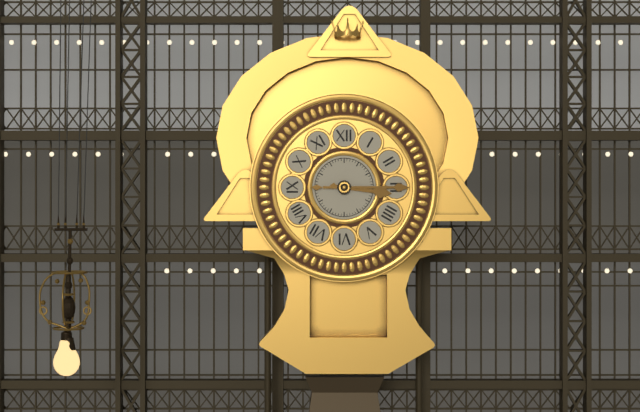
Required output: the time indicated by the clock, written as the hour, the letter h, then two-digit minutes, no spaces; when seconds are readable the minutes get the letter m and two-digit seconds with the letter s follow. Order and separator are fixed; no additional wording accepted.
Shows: 3h15
